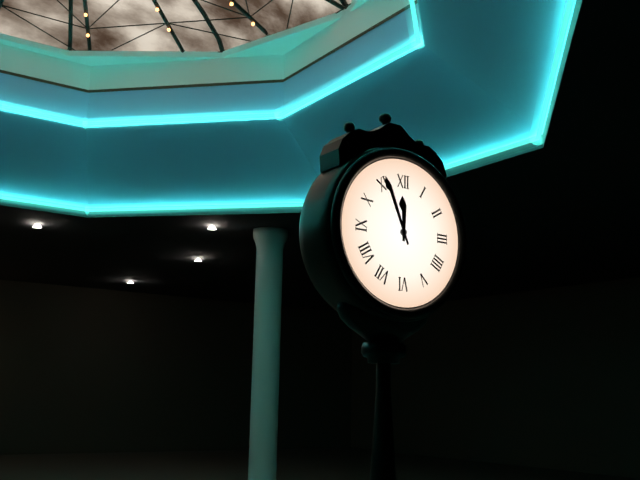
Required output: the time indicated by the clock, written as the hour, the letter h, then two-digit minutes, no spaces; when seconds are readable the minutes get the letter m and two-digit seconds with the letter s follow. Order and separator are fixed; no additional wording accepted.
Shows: 11h56
